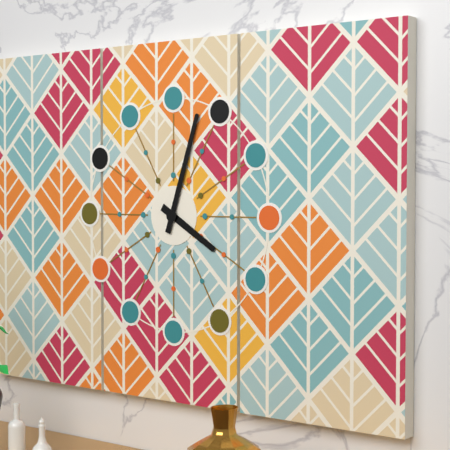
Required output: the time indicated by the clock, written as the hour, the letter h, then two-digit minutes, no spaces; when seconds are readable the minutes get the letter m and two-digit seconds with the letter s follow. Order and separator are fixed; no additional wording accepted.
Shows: 4h03
